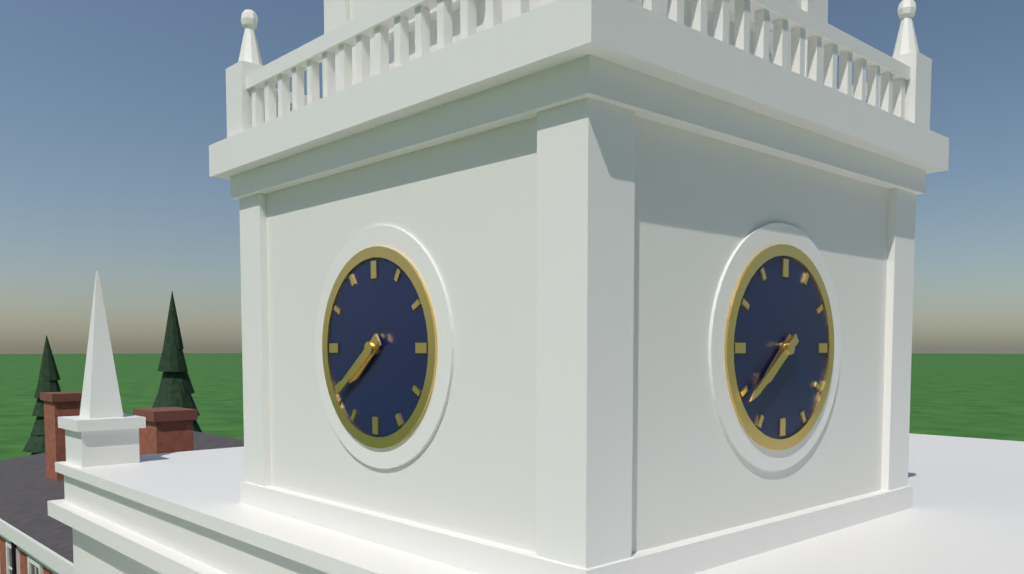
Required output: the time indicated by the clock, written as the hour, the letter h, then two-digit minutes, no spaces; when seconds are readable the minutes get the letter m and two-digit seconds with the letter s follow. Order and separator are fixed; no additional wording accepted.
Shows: 7h39
